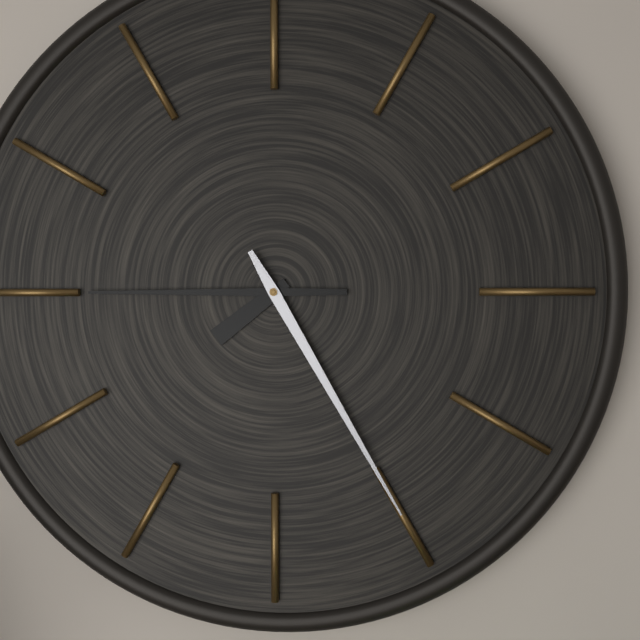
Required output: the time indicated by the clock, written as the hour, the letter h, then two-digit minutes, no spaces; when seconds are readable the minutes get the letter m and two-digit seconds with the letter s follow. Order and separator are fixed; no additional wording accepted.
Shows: 7h45m25s
